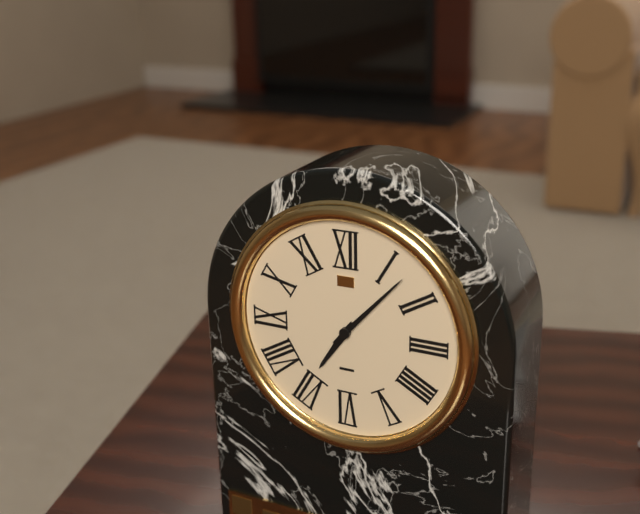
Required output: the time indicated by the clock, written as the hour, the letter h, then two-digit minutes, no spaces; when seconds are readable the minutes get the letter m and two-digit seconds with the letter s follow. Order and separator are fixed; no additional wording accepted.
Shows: 7h07
